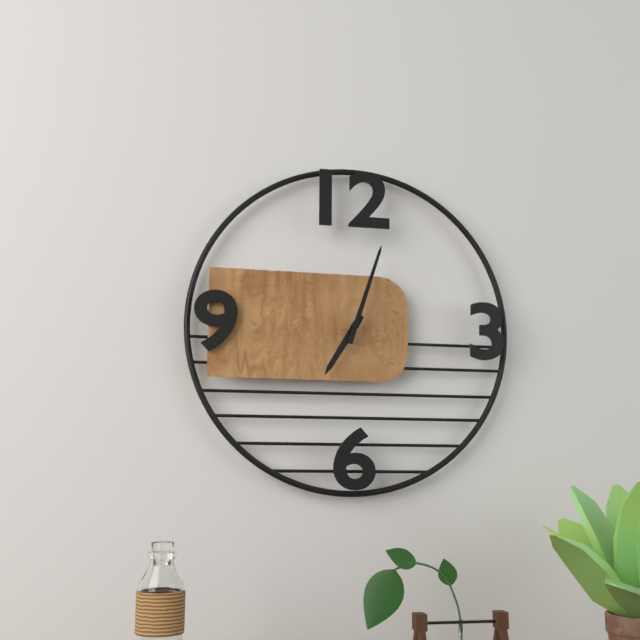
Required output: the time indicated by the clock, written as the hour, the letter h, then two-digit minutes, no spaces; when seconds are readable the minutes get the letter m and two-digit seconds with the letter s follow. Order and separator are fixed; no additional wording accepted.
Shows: 7h03
